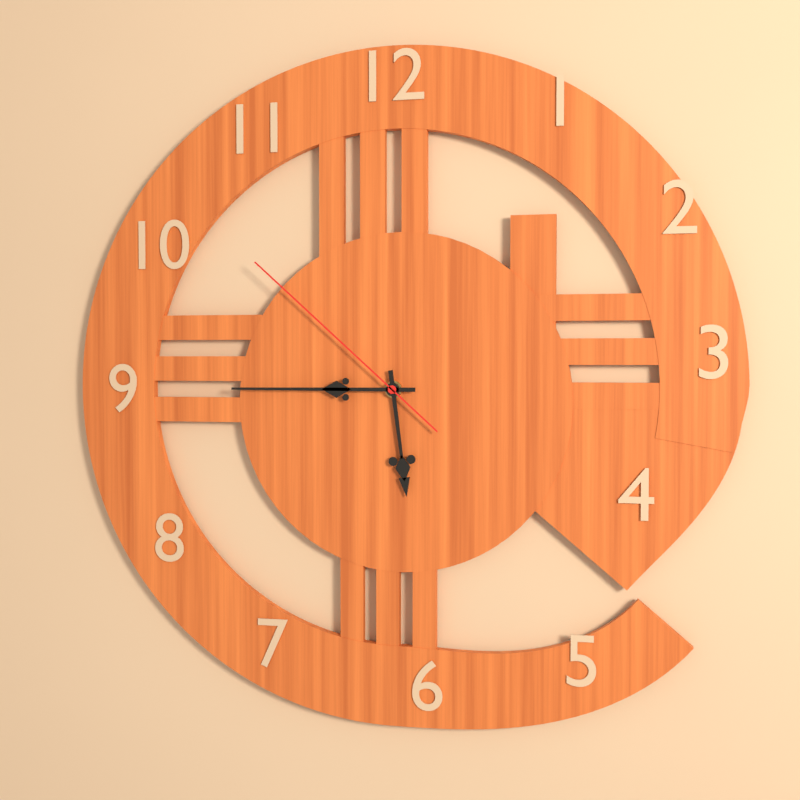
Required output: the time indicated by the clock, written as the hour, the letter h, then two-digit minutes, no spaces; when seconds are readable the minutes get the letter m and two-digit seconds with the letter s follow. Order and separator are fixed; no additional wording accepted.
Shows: 5h45m52s
